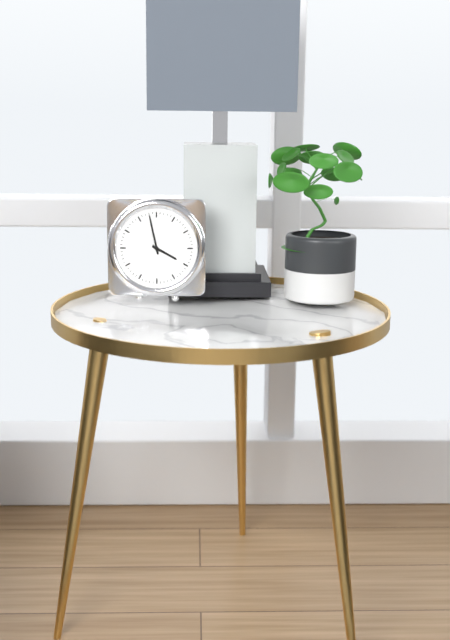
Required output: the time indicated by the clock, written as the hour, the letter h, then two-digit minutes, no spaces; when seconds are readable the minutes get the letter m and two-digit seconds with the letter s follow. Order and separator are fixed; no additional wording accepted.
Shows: 3h58
